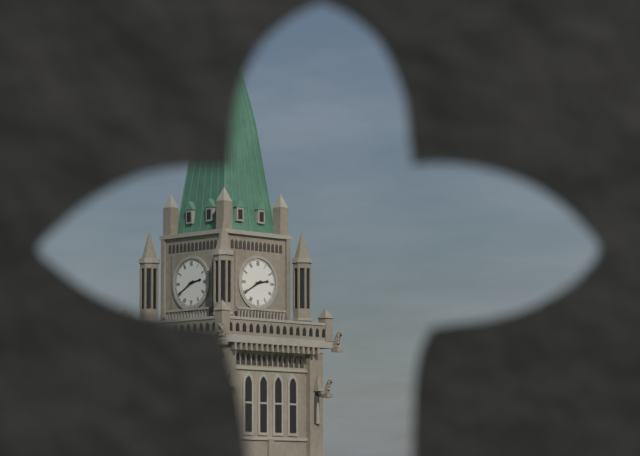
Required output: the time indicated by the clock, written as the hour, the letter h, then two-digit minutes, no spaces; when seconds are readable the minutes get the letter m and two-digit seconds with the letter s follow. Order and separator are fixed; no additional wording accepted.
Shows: 2h40
